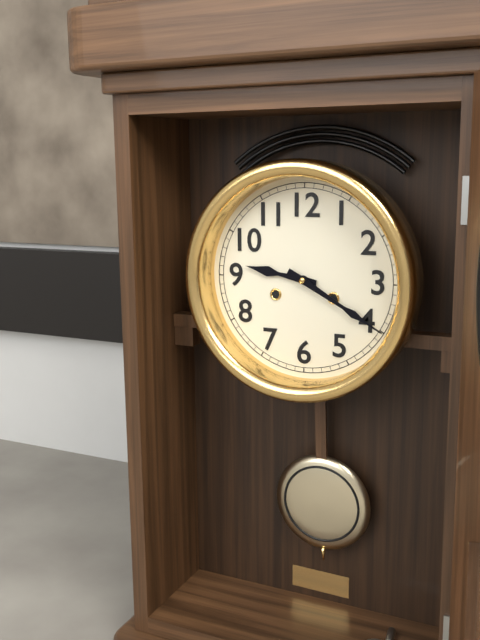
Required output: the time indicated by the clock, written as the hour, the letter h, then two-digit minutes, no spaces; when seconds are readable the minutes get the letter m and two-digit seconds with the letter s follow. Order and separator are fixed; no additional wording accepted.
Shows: 9h20
